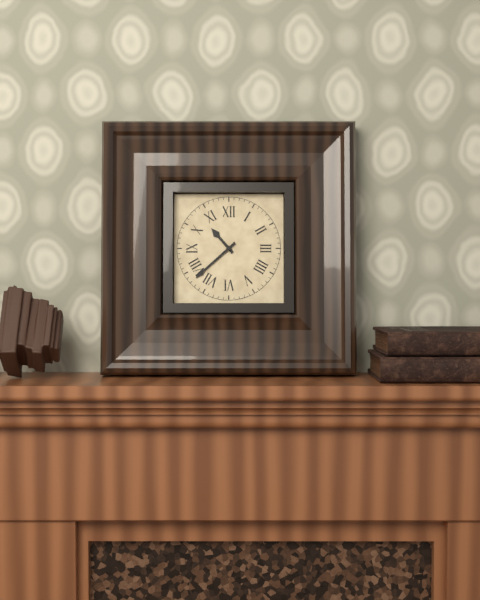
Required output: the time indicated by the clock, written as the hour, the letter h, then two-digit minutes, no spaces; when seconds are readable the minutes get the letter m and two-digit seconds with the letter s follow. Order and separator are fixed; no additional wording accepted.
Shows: 10h38
